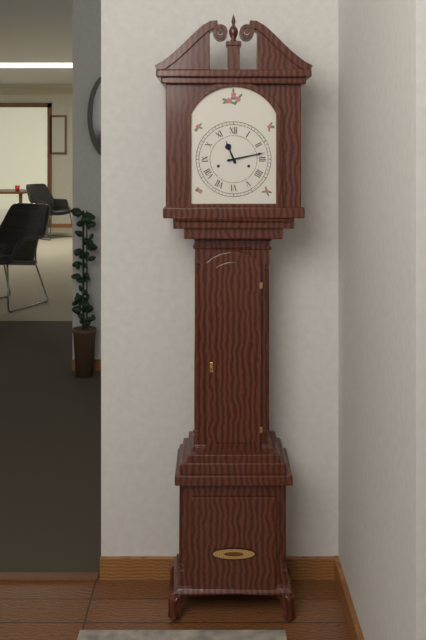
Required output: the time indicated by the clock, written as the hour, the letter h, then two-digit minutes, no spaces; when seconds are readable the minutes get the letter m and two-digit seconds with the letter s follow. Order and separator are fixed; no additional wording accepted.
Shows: 11h13
